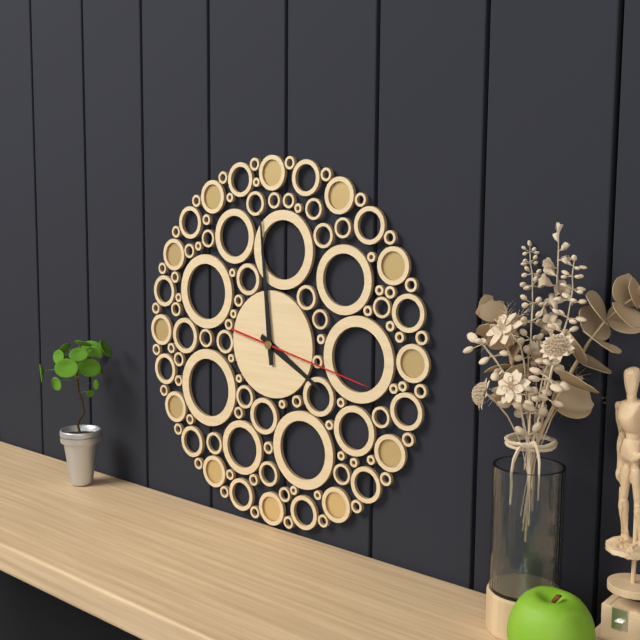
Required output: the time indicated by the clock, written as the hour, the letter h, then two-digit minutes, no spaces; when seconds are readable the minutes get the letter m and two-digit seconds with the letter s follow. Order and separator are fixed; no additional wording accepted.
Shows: 3h59m17s
